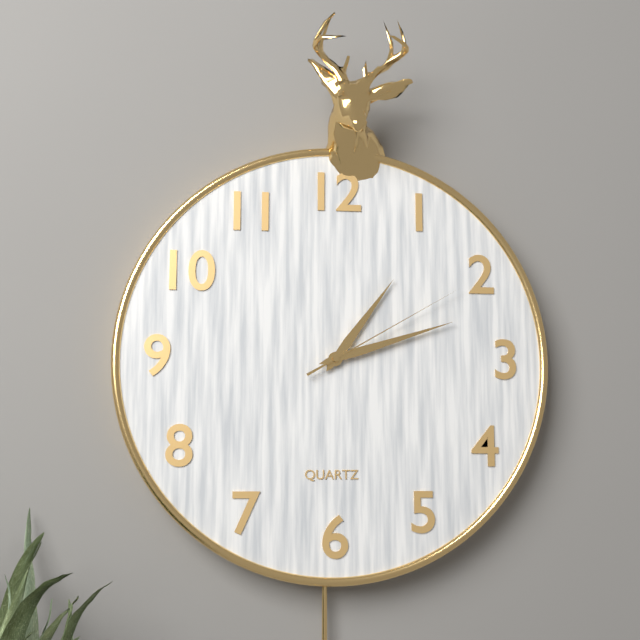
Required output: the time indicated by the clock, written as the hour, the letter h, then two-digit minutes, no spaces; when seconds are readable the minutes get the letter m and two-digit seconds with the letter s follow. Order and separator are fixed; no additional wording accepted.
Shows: 1h12m10s
